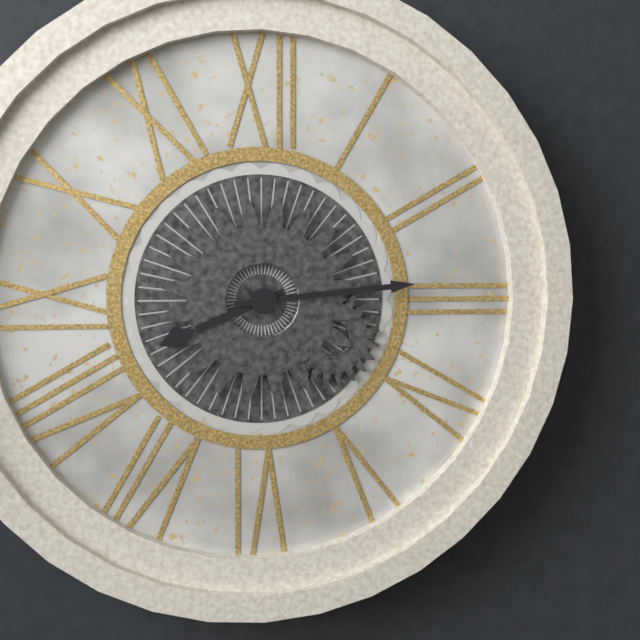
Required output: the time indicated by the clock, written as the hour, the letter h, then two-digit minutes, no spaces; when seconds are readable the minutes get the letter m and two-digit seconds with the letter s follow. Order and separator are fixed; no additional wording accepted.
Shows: 8h14
